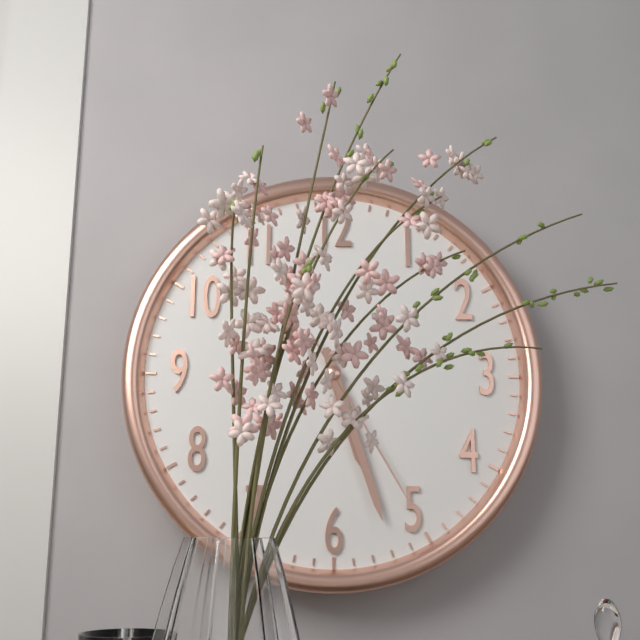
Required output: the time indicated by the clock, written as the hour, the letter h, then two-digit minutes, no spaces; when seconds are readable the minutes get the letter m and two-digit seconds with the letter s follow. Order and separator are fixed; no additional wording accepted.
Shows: 5h27m25s
